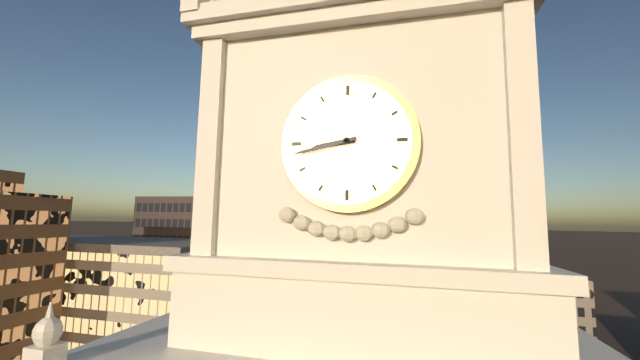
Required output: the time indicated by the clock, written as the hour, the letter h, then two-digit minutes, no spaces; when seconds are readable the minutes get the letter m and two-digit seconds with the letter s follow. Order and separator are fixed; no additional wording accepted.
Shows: 8h43
